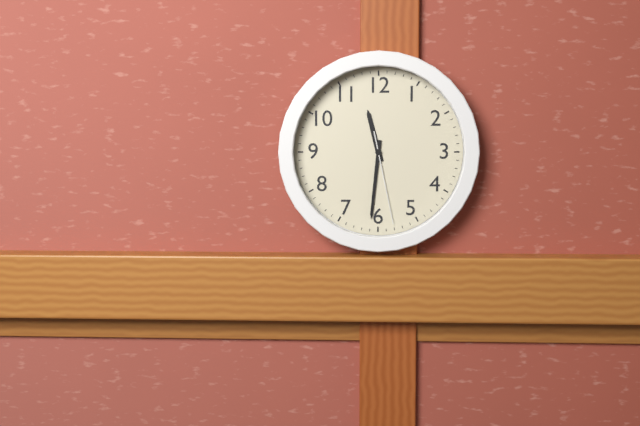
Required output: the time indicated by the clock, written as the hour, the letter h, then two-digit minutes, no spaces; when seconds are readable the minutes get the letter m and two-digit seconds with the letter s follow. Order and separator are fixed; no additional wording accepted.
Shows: 11h31m28s
